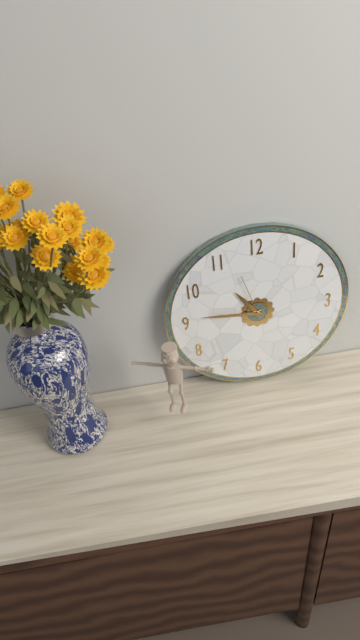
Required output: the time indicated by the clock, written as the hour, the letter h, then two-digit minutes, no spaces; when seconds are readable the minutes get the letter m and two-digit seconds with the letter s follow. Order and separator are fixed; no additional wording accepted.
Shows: 10h46m57s
